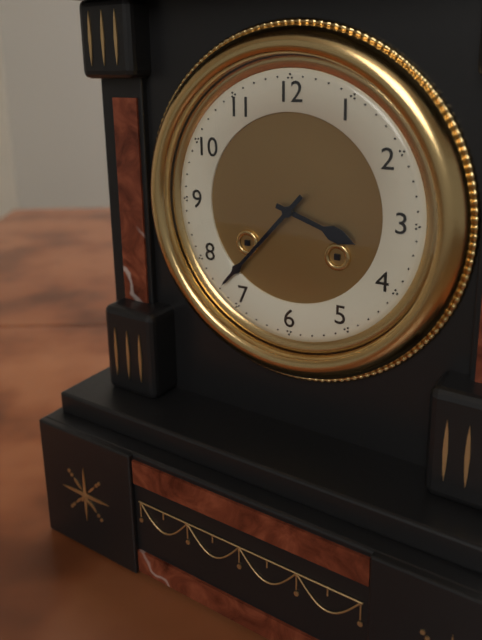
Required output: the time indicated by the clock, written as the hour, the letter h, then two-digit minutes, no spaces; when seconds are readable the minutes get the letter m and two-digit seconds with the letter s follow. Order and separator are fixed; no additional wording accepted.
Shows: 3h37
